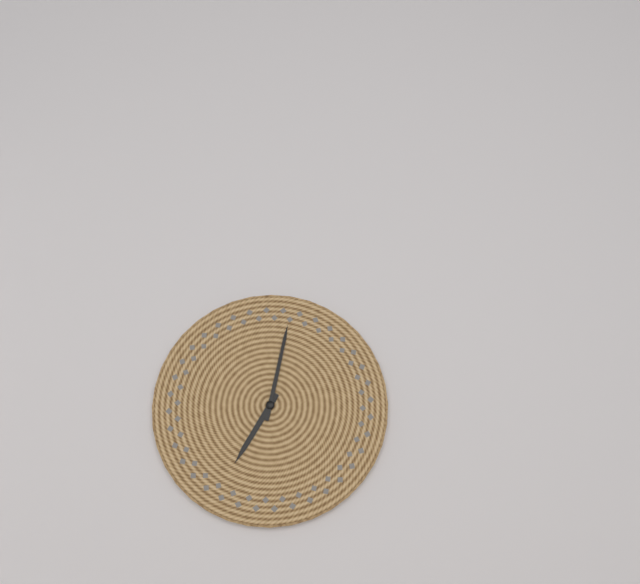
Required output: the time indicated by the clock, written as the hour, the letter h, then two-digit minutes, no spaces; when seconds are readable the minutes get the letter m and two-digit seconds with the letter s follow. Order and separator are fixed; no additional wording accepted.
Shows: 7h02
